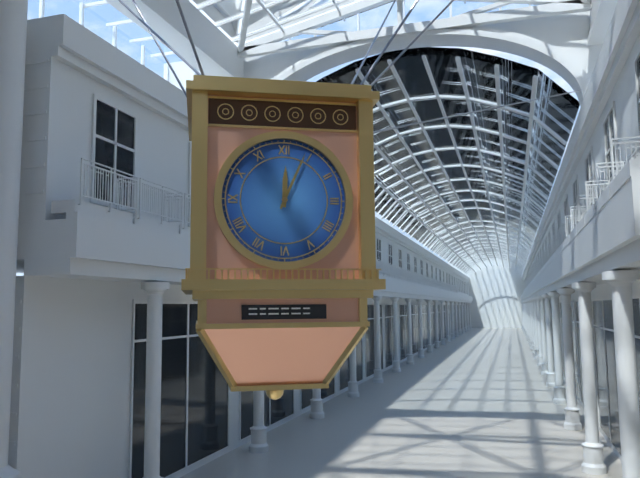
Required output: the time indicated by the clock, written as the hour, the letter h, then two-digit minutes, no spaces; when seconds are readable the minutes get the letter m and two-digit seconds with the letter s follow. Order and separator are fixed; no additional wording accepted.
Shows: 12h04
